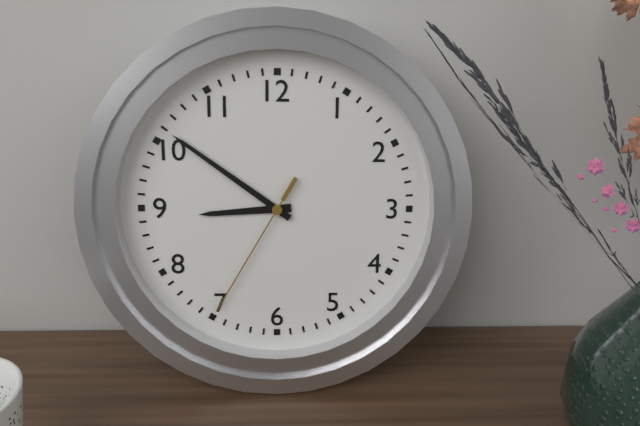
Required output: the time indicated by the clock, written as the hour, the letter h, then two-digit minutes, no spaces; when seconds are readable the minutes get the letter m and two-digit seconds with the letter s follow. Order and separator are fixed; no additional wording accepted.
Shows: 8h51m35s
